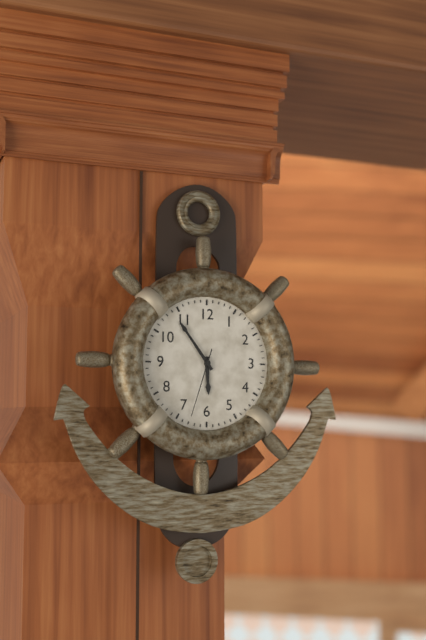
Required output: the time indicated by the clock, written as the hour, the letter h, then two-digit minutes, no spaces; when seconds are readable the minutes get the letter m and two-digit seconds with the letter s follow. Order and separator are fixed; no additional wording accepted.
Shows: 5h54m33s
